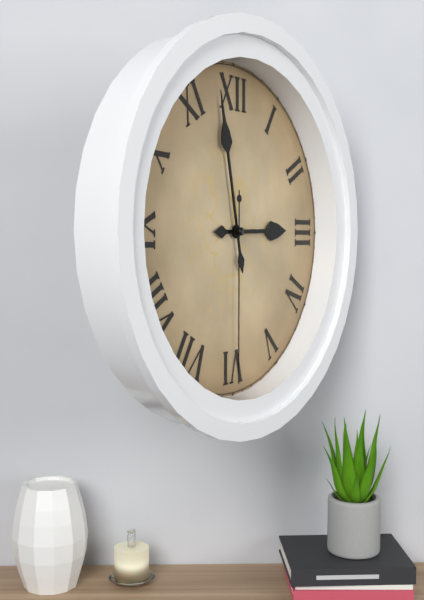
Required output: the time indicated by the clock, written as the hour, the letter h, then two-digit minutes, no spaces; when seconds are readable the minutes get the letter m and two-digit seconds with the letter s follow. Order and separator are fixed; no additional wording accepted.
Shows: 2h58m30s
